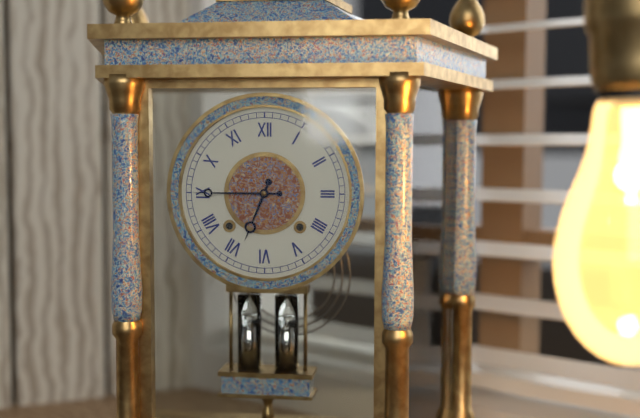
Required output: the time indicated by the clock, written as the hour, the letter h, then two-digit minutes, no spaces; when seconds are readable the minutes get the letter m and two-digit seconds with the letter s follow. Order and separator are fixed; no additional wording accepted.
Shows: 6h45
